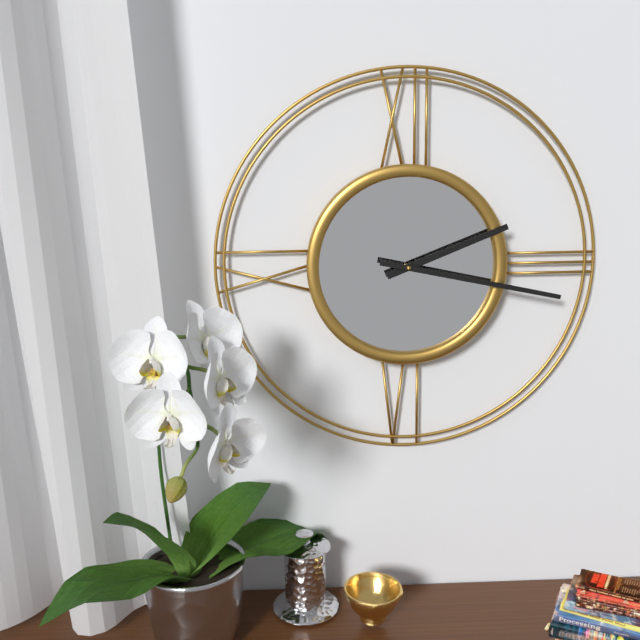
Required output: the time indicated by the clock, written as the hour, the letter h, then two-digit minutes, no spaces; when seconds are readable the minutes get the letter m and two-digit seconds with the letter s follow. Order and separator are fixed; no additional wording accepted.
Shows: 2h17
